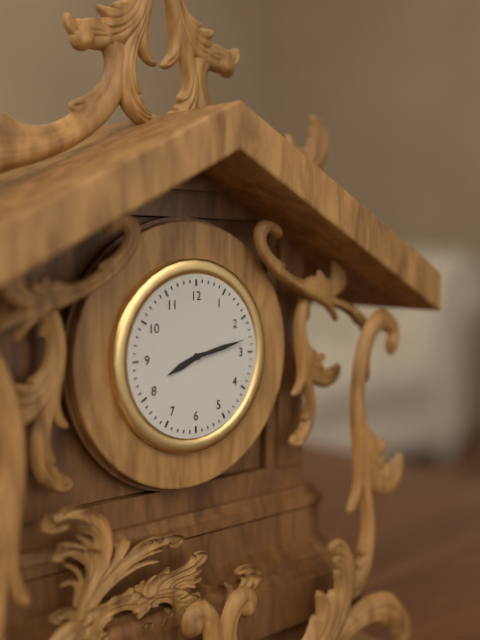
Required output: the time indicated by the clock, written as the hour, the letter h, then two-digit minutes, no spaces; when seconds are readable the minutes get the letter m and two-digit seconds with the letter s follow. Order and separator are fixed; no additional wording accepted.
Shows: 8h13
